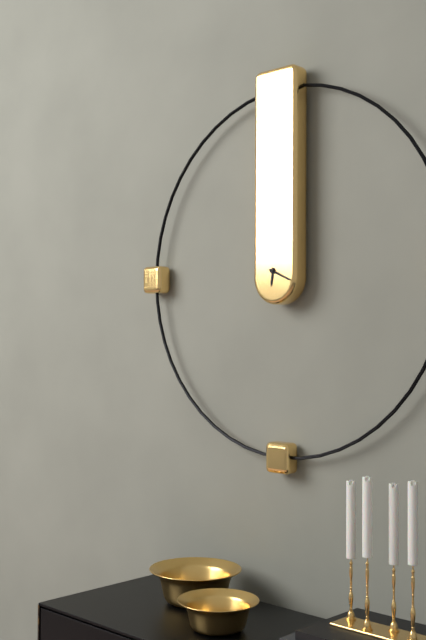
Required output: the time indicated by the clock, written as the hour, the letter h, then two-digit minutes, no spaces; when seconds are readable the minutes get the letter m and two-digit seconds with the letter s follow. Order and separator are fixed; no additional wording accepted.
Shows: 6h19
